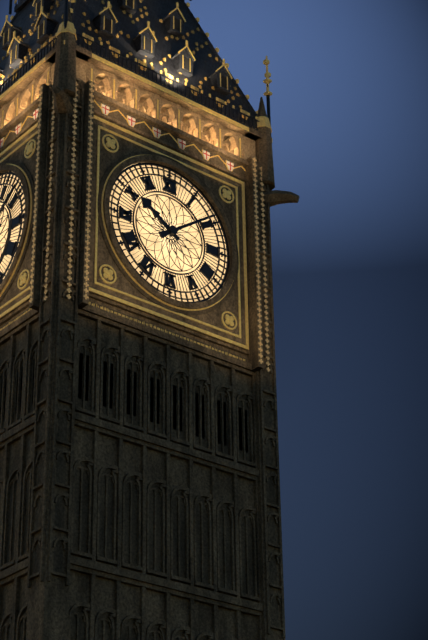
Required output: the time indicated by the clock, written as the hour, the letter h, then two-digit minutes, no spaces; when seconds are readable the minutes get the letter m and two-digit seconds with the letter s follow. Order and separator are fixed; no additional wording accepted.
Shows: 10h09
